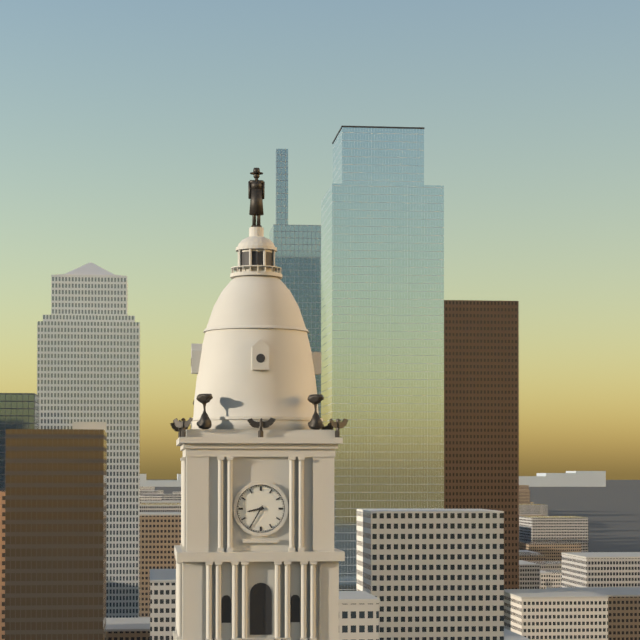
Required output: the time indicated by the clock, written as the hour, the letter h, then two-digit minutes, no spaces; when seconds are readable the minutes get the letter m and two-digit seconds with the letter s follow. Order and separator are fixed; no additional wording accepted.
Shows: 8h35
